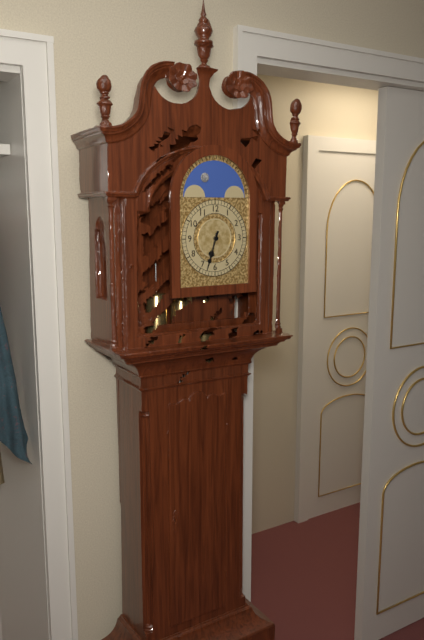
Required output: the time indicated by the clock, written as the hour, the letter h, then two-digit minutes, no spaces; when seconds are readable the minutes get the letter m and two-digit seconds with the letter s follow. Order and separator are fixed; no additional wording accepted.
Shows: 6h33
